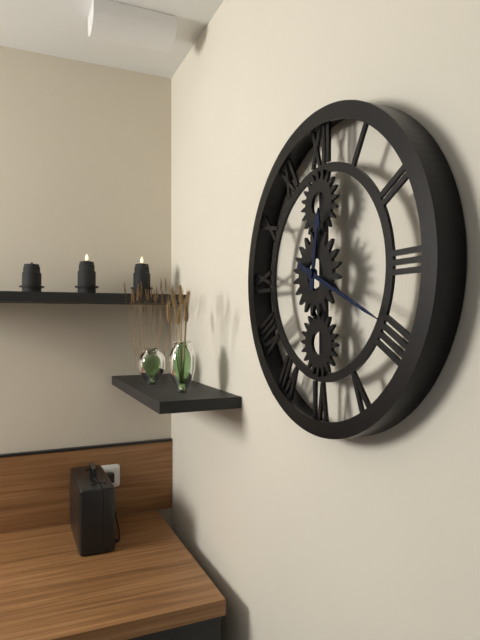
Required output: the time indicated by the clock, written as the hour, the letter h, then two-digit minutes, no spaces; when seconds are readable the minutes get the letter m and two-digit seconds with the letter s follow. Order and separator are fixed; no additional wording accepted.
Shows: 12h19
